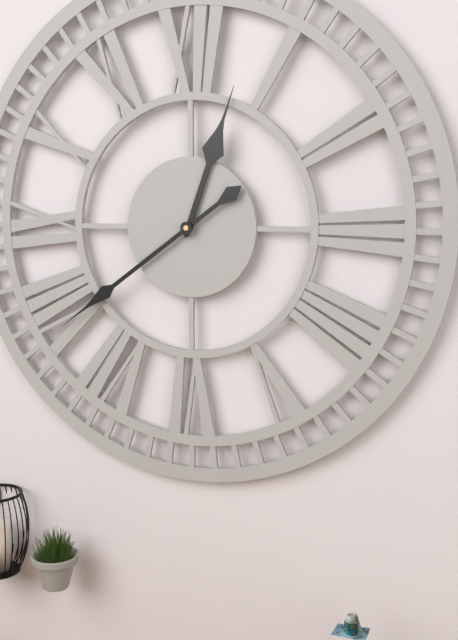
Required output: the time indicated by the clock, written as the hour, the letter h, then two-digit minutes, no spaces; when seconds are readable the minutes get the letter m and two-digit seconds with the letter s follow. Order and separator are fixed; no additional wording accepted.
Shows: 12h39
